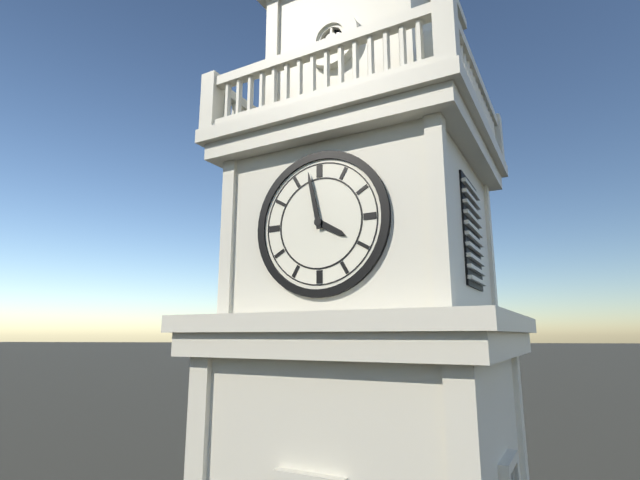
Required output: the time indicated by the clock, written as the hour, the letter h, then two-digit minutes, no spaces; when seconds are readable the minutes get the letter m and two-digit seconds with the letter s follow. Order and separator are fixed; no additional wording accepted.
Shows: 3h58
